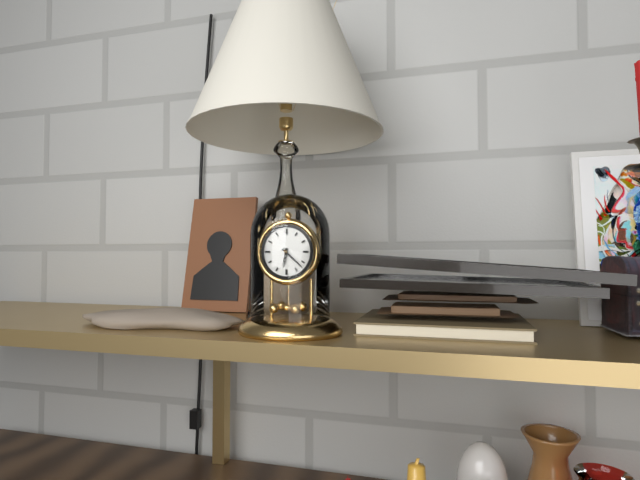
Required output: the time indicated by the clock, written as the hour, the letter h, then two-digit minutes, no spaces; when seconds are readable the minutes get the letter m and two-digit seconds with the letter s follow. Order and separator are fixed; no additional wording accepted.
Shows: 6h22
